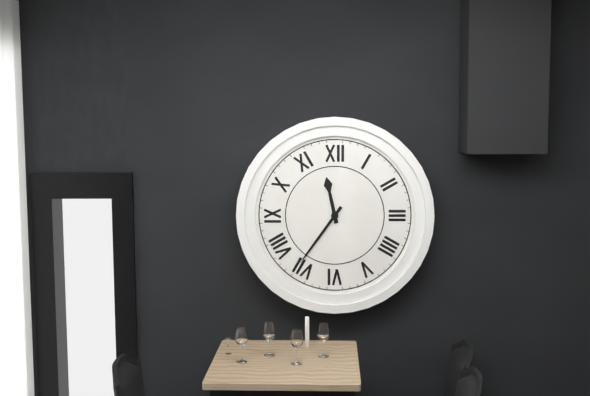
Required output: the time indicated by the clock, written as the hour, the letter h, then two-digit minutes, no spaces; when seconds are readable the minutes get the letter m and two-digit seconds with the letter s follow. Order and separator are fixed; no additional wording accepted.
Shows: 11h36
